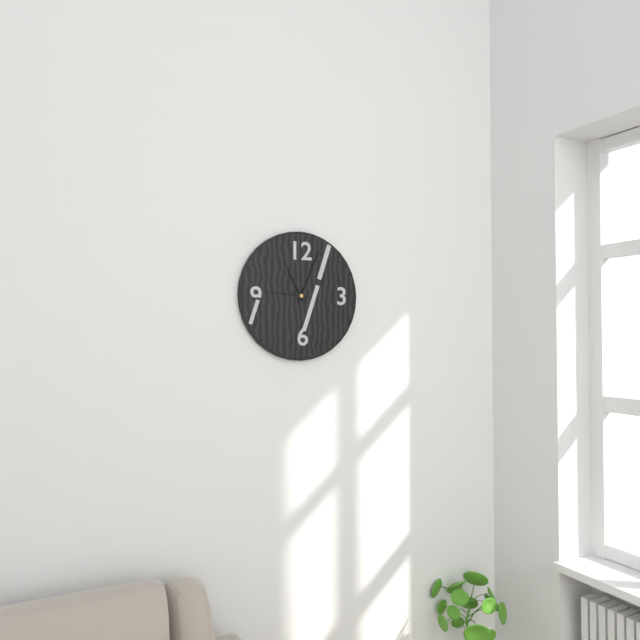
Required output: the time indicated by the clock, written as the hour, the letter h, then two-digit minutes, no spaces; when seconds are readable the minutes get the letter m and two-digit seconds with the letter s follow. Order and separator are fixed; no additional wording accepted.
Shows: 11h04
